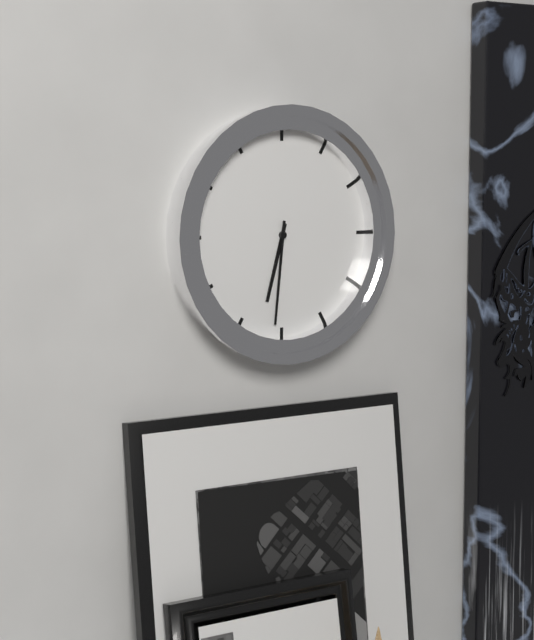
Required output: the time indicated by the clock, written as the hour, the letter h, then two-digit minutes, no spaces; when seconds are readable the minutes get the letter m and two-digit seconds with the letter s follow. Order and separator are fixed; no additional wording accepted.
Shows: 6h31
